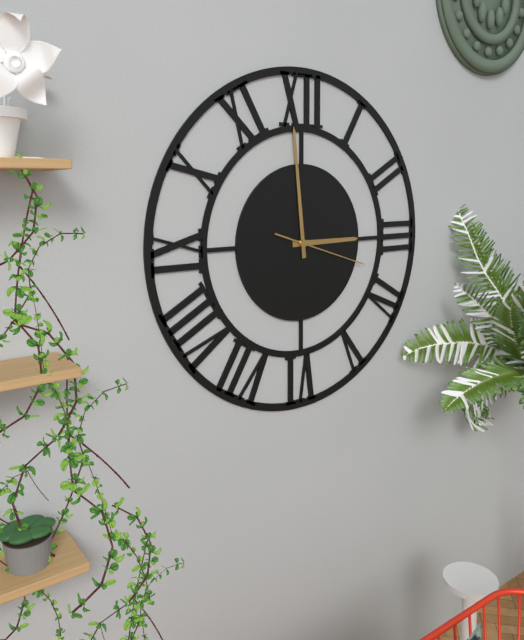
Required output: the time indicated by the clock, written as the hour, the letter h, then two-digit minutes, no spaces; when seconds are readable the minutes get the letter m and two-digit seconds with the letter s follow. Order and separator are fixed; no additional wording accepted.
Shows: 2h59m18s
